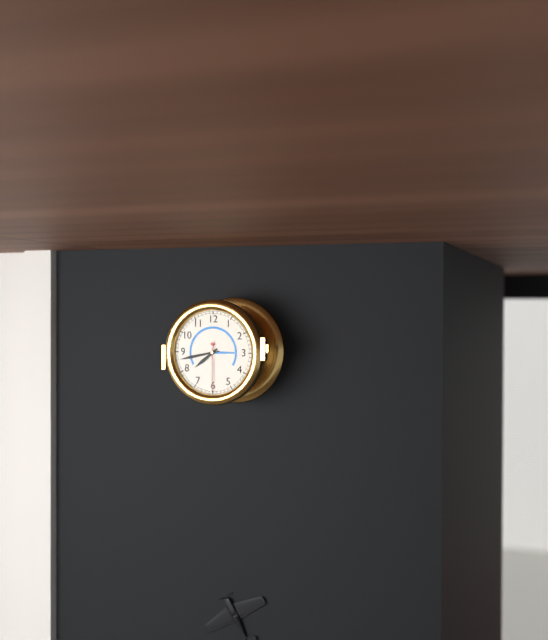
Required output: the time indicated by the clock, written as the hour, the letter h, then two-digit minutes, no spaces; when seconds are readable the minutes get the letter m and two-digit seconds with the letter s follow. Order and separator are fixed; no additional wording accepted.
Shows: 7h43m30s
